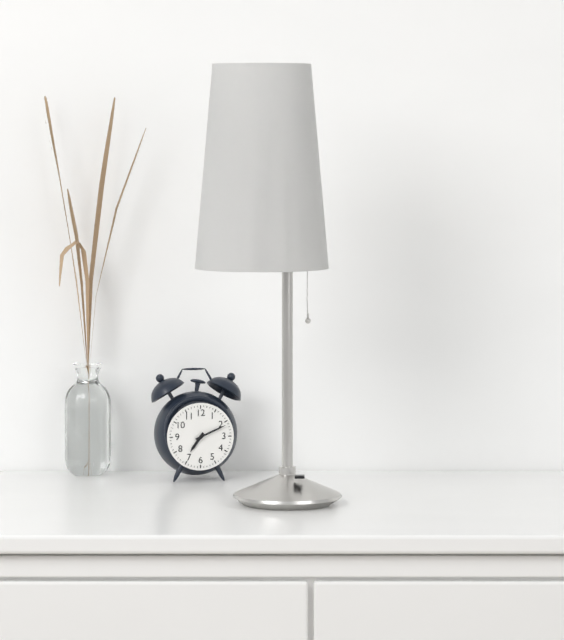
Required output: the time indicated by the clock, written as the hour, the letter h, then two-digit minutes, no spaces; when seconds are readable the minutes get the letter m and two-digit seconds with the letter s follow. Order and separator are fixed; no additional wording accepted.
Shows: 7h11
